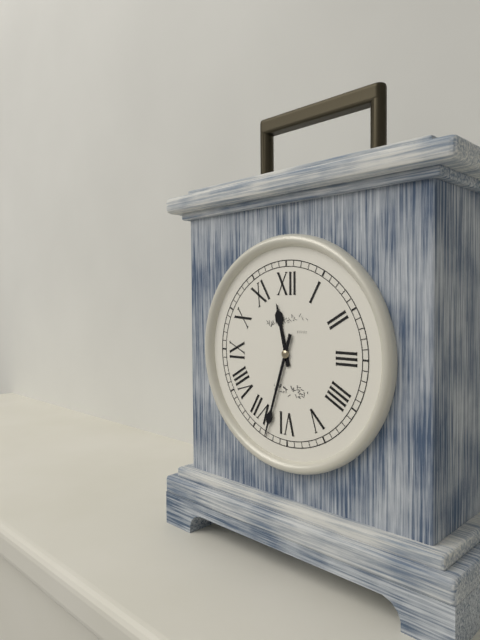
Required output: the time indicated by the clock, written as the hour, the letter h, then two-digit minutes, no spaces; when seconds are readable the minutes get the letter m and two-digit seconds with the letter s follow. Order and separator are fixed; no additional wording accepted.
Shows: 11h33
